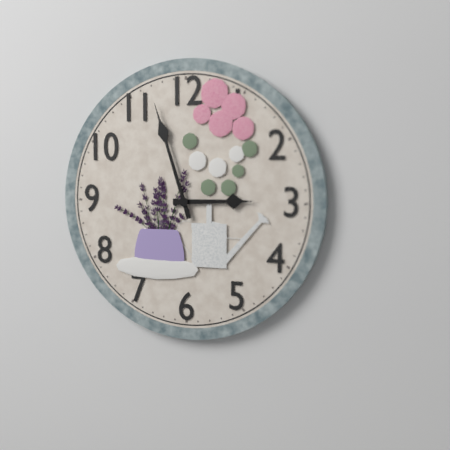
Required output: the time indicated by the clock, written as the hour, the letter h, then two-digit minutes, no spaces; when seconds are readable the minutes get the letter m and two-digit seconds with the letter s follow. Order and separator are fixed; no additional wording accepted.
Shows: 2h57
